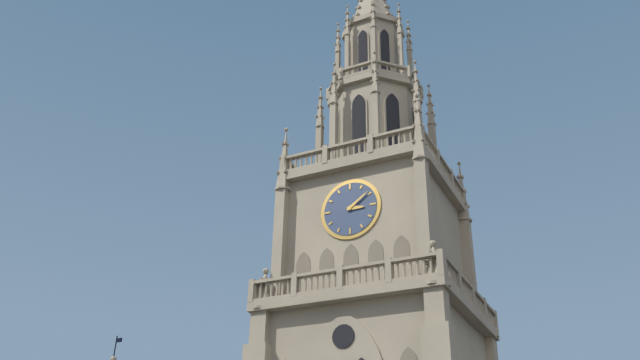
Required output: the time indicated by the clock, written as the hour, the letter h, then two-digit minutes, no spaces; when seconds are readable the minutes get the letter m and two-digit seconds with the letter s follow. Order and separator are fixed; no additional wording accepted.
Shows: 3h09
